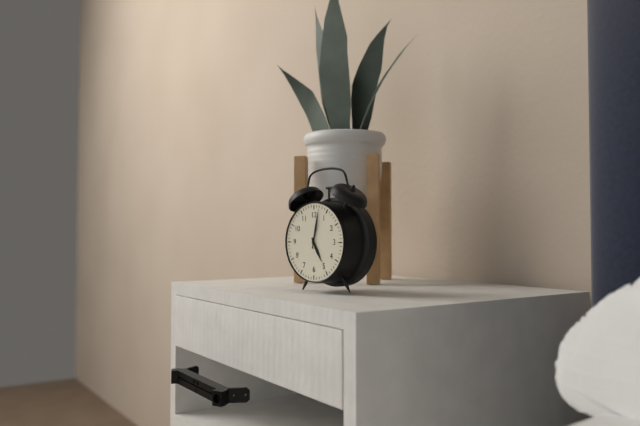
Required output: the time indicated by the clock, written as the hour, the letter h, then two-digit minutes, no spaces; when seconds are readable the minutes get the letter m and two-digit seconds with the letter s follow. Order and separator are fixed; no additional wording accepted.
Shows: 5h02
